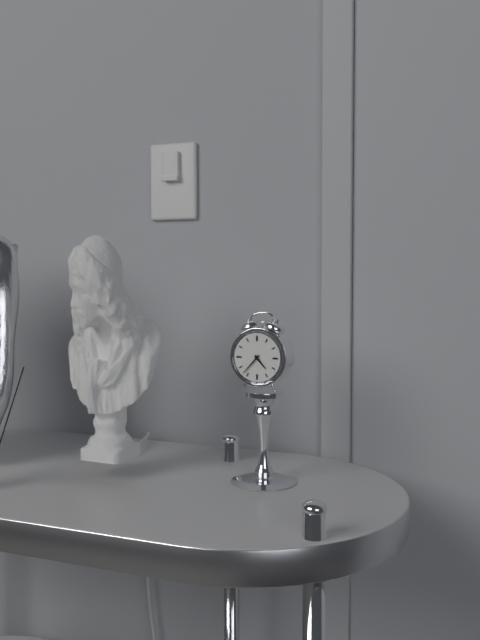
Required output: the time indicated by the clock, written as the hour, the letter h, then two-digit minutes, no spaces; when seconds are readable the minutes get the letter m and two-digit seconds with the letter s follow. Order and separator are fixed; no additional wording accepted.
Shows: 4h37
